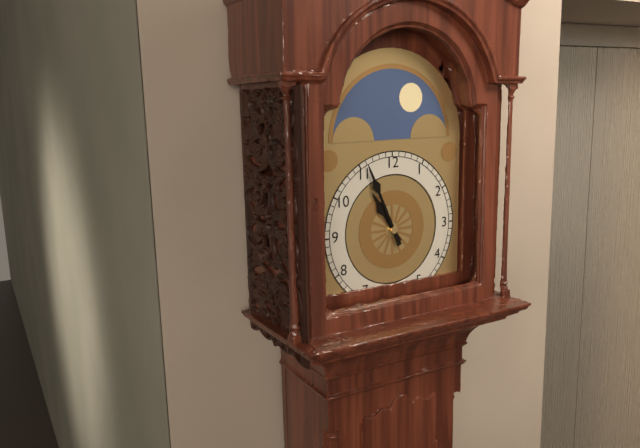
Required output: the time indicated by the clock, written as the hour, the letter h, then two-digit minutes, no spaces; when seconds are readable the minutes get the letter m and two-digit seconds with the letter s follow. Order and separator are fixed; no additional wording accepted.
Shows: 10h56
